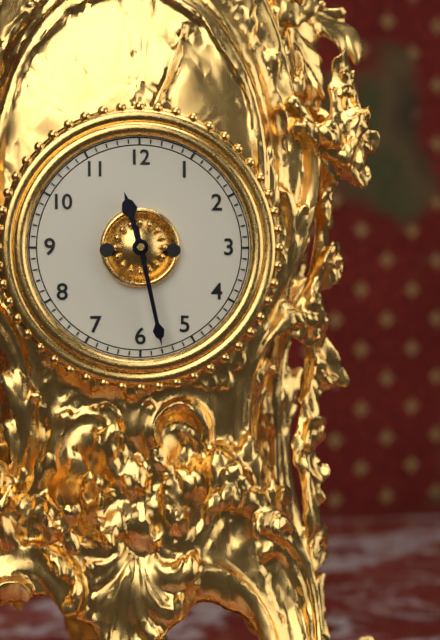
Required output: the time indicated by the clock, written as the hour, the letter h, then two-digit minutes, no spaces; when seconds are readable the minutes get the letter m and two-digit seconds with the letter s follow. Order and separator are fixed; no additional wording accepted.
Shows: 11h28
